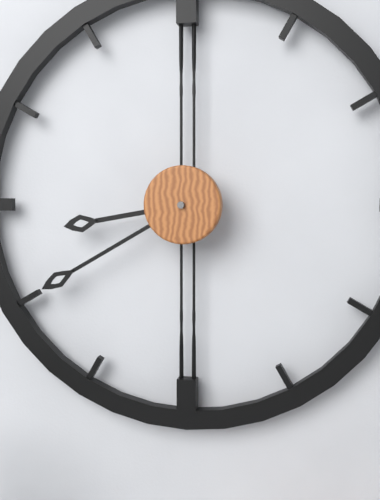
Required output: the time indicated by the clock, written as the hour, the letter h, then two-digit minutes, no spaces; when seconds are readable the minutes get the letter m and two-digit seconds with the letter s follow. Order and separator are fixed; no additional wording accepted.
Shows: 8h40
